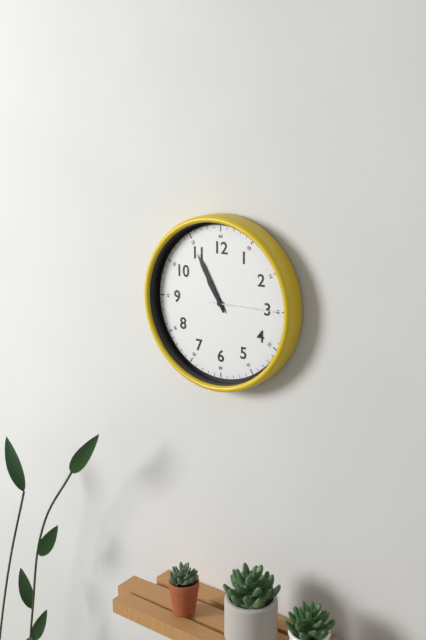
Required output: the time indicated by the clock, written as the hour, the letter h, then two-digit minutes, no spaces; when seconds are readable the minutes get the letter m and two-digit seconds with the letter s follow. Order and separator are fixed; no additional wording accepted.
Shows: 10h55m15s
